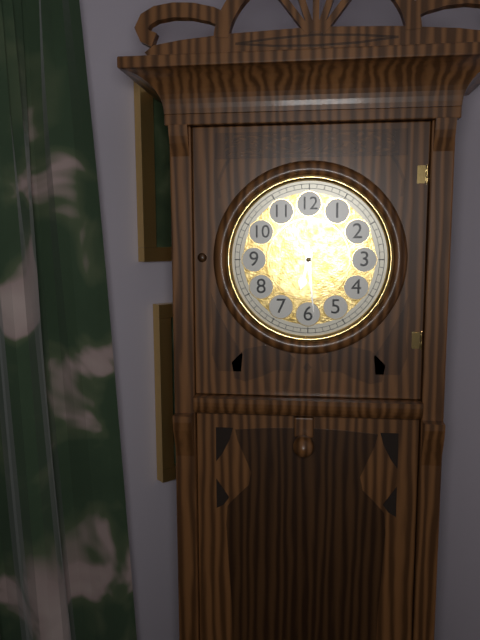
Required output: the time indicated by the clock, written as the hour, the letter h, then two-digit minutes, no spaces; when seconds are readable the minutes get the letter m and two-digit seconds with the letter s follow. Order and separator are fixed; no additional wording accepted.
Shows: 6h29
